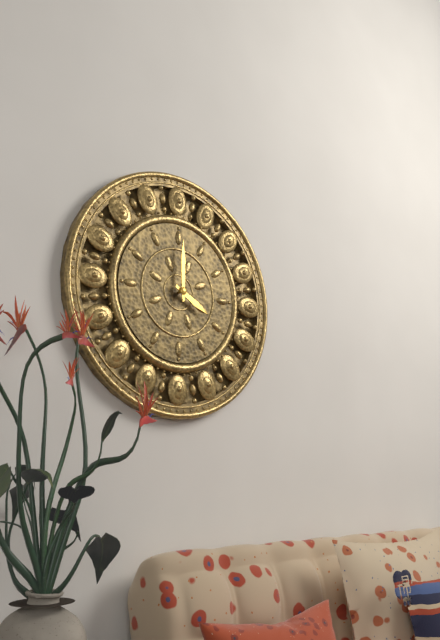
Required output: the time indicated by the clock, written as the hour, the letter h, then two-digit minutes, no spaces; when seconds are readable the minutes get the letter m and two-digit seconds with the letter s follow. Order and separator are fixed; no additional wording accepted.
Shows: 4h00
